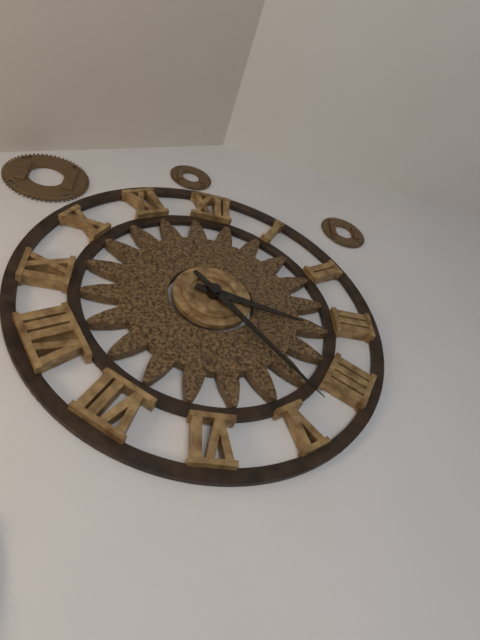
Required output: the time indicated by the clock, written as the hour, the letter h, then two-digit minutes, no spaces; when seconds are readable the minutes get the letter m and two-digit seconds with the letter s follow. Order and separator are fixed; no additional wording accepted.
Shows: 3h23
